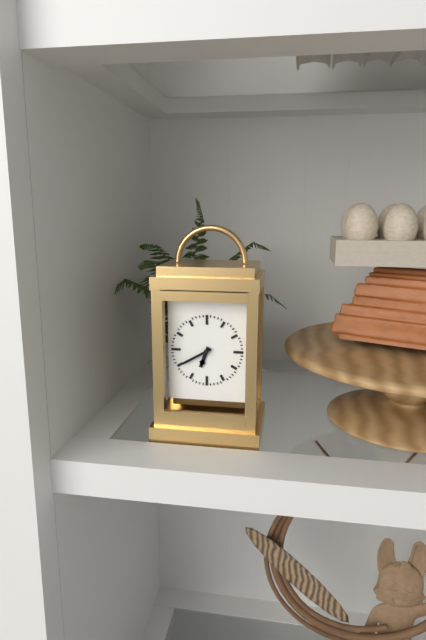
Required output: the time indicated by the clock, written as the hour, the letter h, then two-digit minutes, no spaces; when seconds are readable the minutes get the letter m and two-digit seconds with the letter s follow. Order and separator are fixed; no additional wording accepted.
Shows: 6h40
